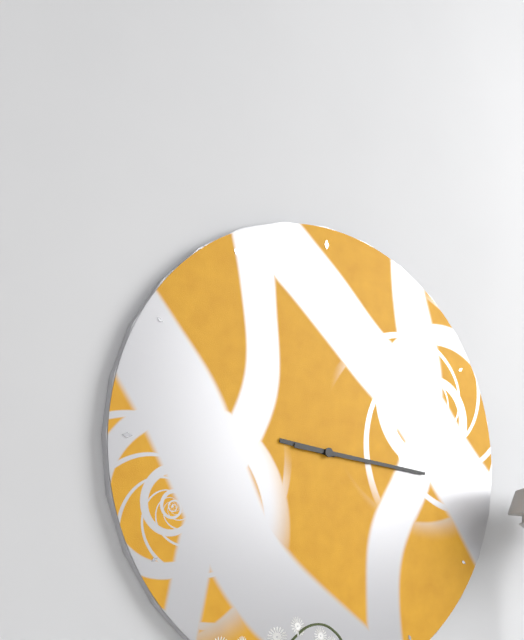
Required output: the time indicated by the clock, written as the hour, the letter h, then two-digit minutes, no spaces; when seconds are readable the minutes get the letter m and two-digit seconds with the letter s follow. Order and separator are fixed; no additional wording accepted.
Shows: 9h16
